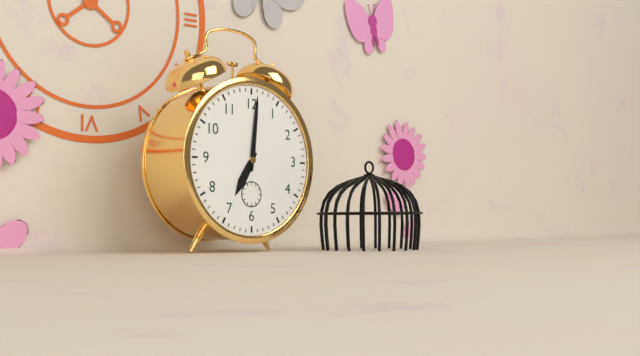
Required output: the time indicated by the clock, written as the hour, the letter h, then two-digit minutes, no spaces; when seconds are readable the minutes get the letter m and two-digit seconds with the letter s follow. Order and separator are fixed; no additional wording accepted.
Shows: 7h01
